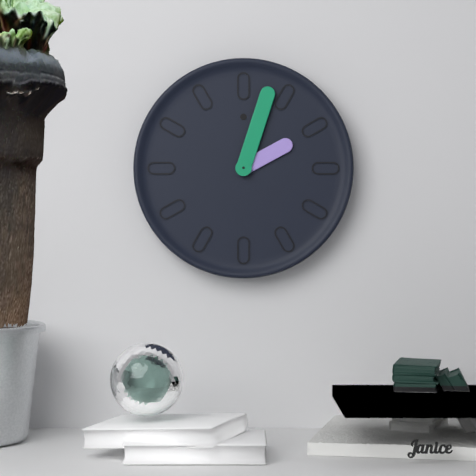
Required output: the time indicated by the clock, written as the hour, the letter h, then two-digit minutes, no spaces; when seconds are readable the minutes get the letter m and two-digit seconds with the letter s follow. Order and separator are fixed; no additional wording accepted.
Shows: 2h03
